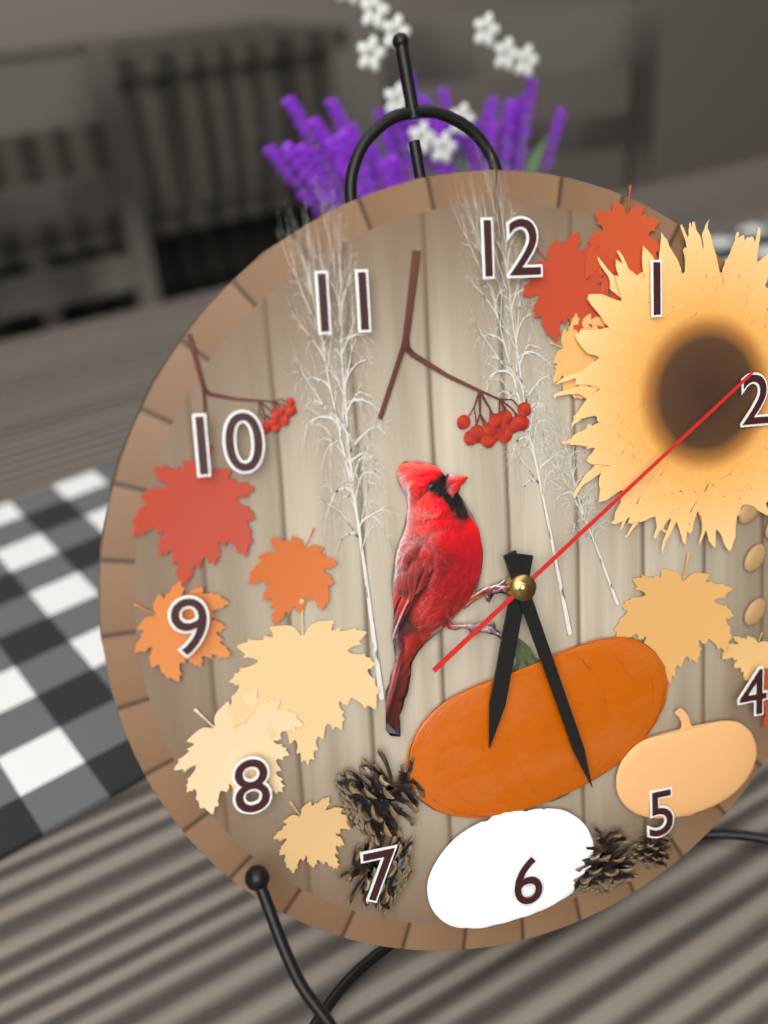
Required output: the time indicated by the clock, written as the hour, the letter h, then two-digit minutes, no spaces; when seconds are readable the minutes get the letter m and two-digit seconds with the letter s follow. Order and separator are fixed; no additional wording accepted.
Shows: 6h27m09s
